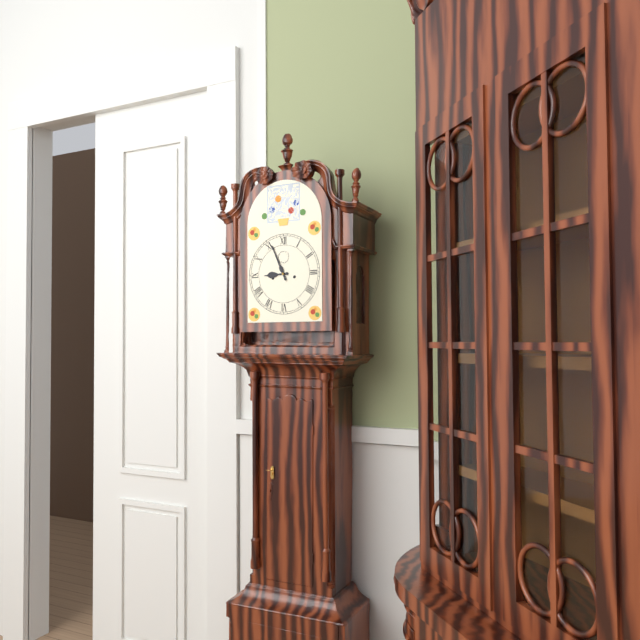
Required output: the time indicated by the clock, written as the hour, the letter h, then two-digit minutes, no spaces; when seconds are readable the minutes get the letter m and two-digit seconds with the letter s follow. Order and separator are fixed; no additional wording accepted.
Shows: 8h56
